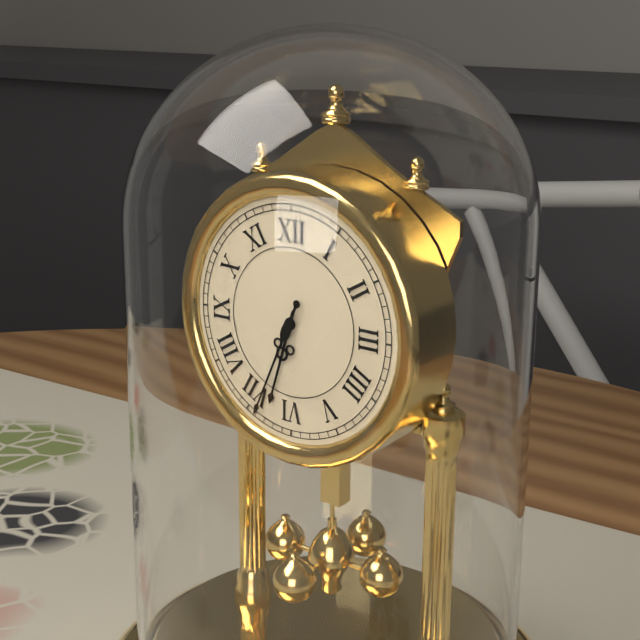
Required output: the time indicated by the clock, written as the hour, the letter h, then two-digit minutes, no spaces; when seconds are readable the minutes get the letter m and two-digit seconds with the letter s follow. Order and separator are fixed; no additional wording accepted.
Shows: 6h34
